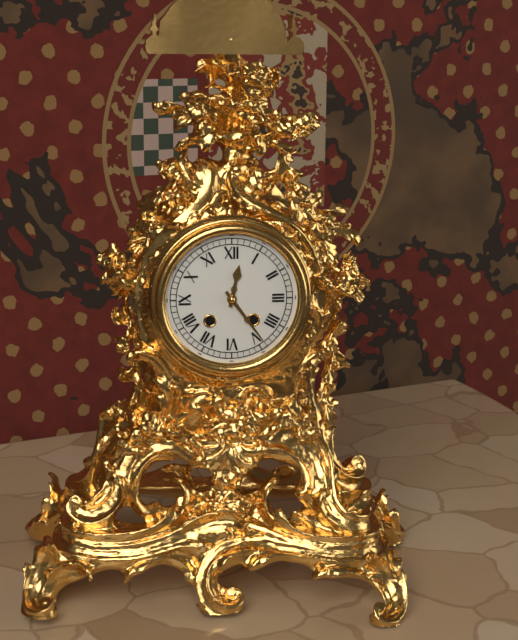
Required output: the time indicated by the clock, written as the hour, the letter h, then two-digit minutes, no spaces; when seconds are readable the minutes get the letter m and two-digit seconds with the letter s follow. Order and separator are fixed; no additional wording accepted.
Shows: 12h24
